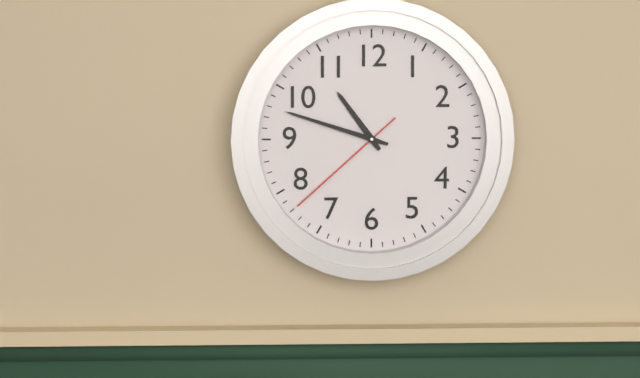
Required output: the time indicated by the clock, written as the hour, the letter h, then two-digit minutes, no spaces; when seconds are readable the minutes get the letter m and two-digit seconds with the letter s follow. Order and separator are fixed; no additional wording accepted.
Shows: 10h48m38s
